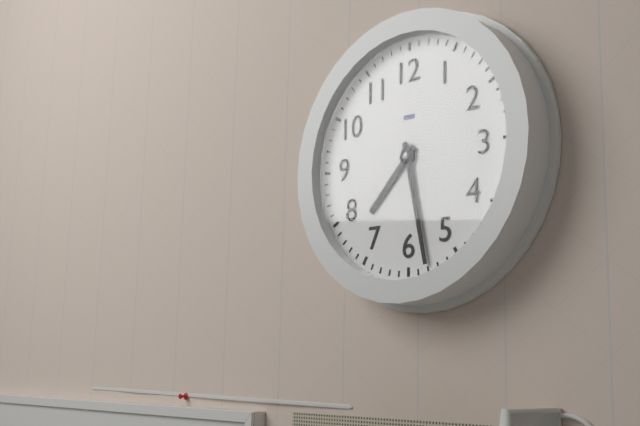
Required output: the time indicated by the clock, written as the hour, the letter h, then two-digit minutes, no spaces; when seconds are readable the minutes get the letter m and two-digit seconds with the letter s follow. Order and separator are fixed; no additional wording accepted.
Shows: 7h28
